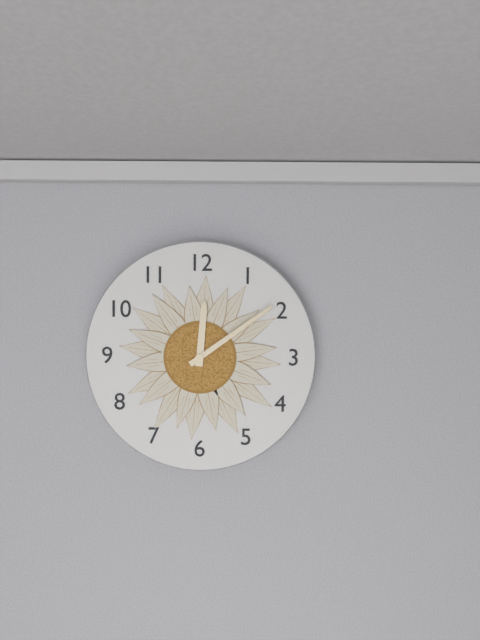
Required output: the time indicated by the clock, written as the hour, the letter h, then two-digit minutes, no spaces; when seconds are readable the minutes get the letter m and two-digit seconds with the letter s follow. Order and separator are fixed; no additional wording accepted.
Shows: 12h09
